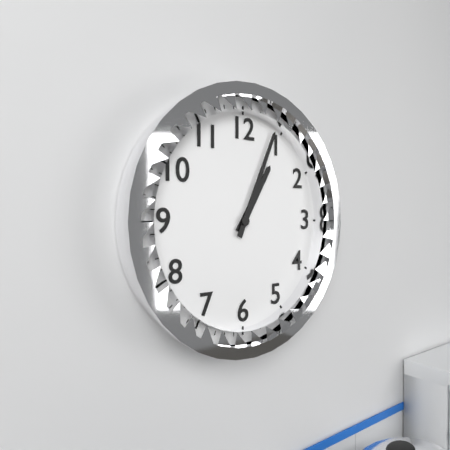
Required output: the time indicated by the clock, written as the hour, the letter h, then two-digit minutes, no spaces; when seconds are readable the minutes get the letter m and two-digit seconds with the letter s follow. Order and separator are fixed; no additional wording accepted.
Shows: 1h04
